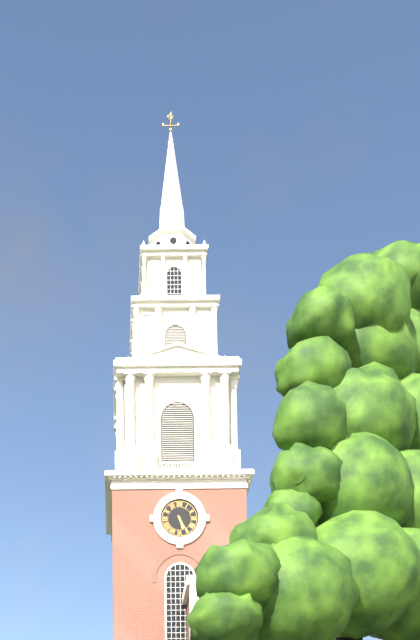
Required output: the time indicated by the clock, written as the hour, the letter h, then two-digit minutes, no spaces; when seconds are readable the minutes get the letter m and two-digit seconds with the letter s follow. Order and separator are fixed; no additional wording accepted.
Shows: 5h25
